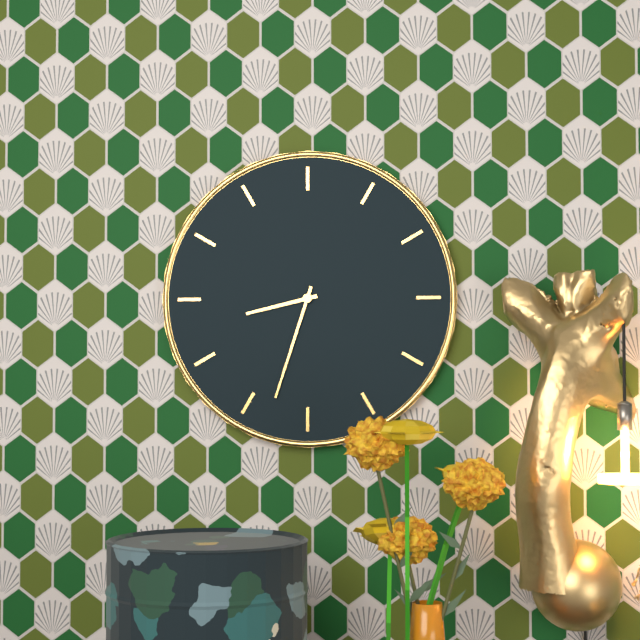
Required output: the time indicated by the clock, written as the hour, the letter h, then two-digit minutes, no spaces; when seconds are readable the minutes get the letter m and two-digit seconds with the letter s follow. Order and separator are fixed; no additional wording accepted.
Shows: 8h33
